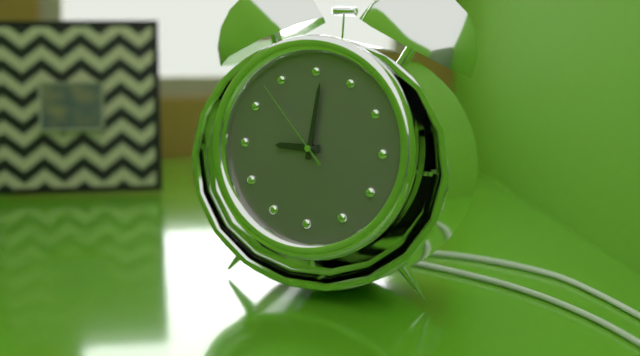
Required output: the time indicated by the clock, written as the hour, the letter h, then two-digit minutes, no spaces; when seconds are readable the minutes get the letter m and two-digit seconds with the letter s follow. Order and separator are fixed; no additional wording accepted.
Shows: 9h01m53s
